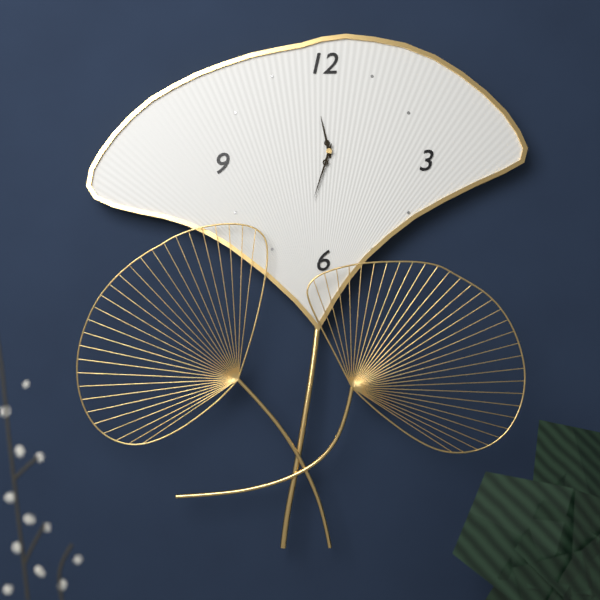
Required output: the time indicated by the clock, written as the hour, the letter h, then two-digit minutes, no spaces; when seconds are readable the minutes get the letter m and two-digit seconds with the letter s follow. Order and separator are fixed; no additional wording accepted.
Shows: 11h33
